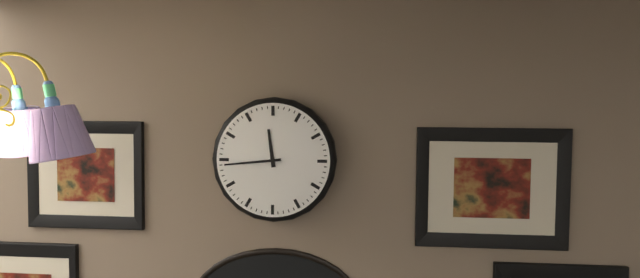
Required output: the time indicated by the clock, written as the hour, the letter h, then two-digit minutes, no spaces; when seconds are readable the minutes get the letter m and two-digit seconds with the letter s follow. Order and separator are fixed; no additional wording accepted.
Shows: 11h44
